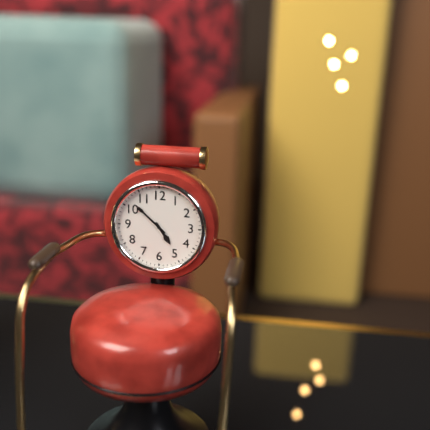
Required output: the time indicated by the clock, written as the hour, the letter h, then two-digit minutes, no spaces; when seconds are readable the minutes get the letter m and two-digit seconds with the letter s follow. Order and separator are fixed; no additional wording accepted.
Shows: 4h52
